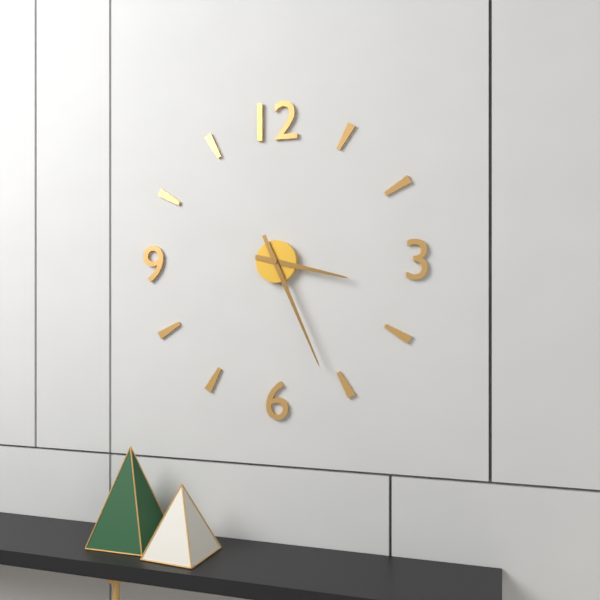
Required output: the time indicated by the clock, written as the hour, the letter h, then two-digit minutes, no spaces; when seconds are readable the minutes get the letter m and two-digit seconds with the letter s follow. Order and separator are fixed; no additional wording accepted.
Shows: 3h26
